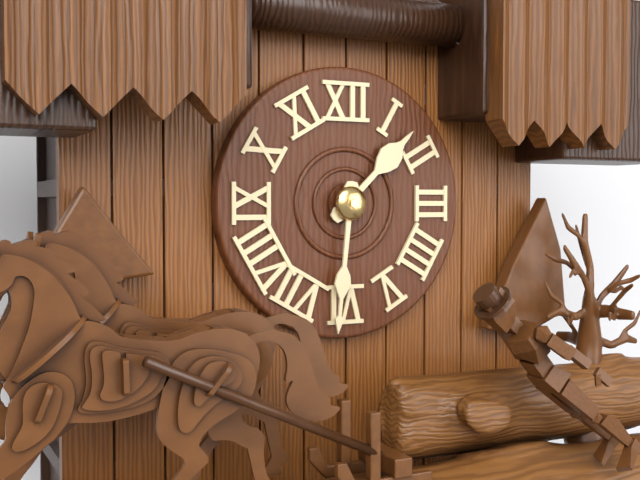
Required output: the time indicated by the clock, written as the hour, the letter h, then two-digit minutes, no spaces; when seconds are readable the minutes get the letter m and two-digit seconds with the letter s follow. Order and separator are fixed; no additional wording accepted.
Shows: 1h31
